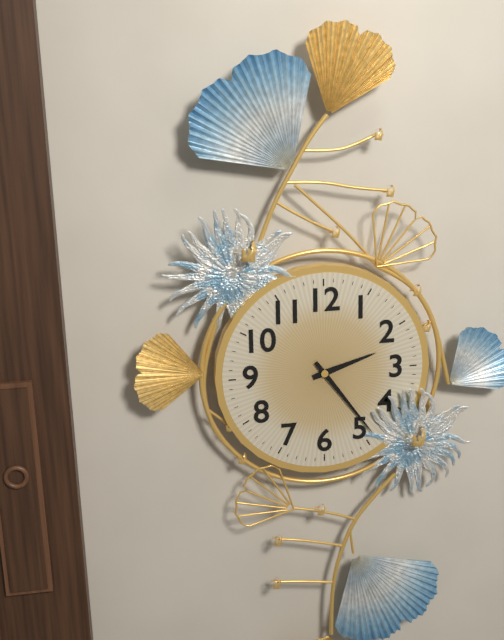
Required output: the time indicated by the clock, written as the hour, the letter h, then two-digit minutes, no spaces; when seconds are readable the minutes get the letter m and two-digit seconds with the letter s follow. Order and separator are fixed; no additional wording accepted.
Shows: 2h24
